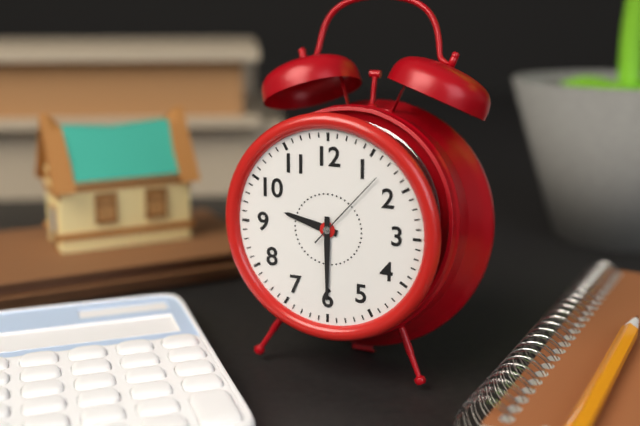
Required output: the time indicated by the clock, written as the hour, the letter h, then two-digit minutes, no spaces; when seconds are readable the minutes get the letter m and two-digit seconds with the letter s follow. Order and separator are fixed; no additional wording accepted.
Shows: 9h30m07s
